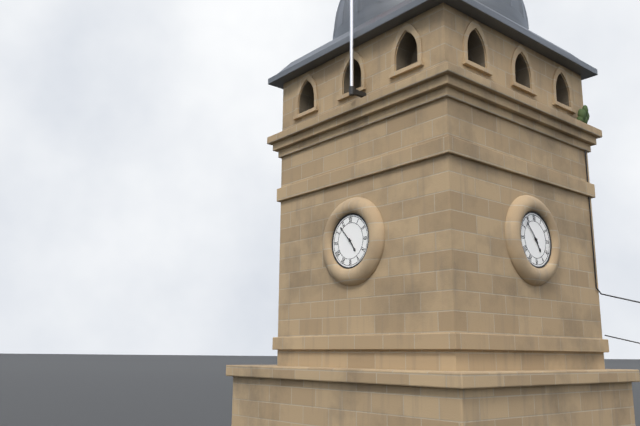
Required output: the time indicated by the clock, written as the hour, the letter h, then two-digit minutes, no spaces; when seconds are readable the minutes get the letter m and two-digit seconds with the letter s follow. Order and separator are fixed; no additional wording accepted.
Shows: 4h53
